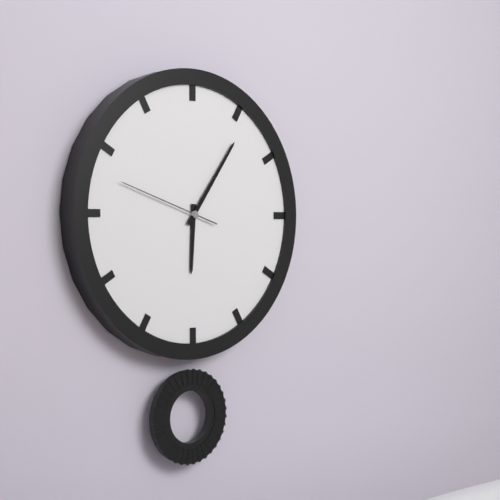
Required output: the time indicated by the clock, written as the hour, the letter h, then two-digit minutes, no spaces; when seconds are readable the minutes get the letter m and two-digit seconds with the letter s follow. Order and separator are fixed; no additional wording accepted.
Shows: 6h06m48s
